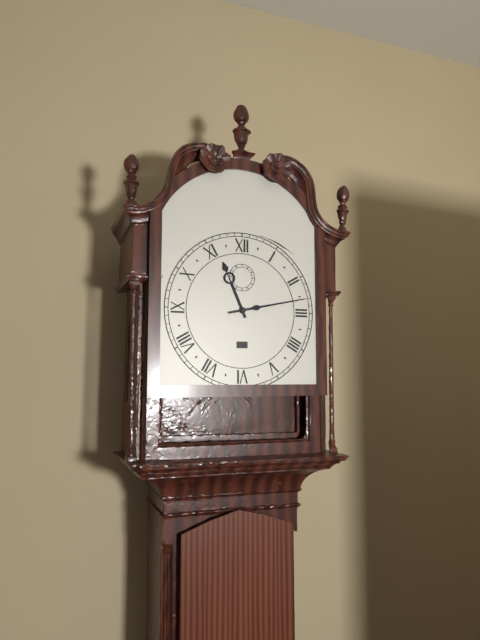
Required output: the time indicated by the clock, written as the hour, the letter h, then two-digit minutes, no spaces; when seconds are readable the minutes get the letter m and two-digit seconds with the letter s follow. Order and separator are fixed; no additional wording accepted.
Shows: 11h13
